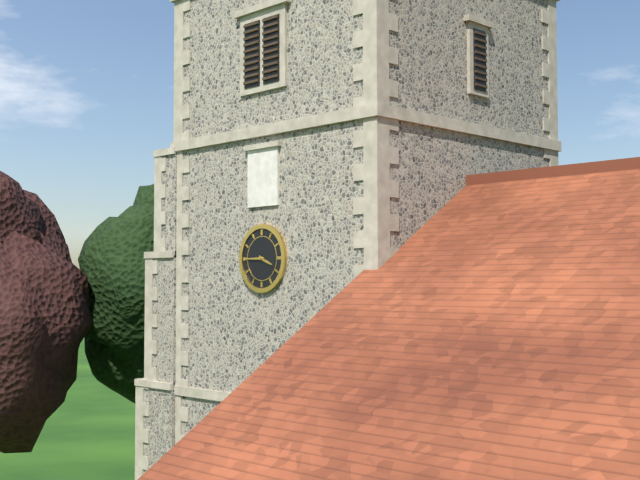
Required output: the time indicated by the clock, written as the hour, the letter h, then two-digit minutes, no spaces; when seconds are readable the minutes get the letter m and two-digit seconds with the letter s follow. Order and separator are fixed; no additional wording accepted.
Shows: 3h45
